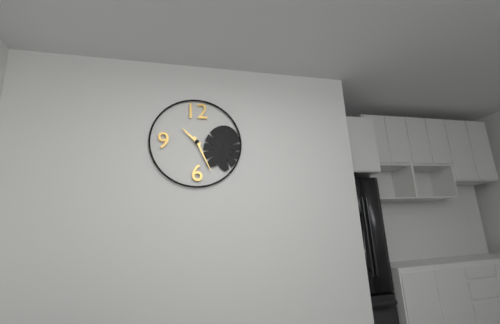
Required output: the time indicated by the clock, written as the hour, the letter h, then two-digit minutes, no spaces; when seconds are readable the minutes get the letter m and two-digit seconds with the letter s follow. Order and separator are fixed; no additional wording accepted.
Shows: 10h26
